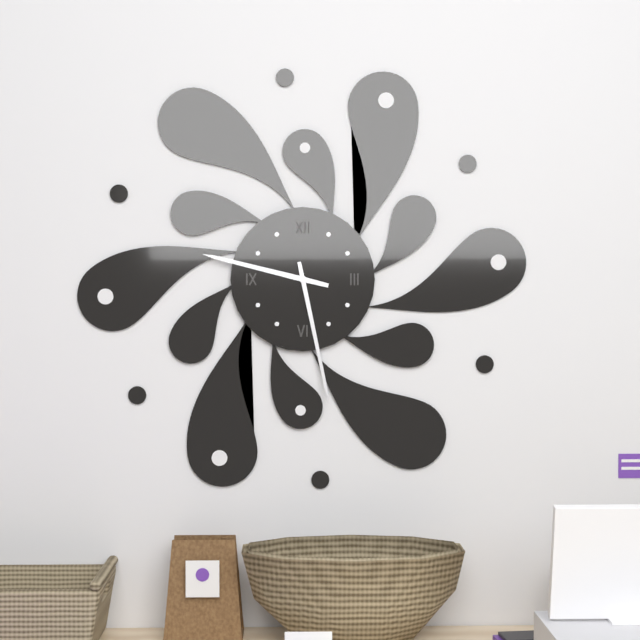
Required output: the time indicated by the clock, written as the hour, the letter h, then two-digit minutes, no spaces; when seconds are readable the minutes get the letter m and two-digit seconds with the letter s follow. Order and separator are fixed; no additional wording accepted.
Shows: 9h28
